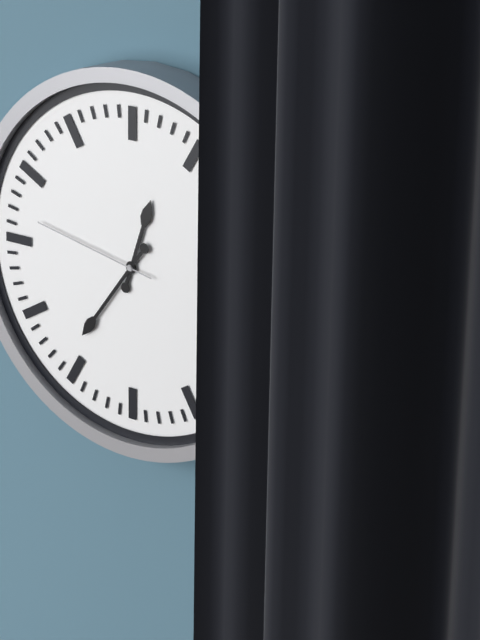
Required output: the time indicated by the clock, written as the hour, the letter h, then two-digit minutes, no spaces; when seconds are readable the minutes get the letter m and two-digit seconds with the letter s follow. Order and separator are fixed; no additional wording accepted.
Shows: 12h36m47s
